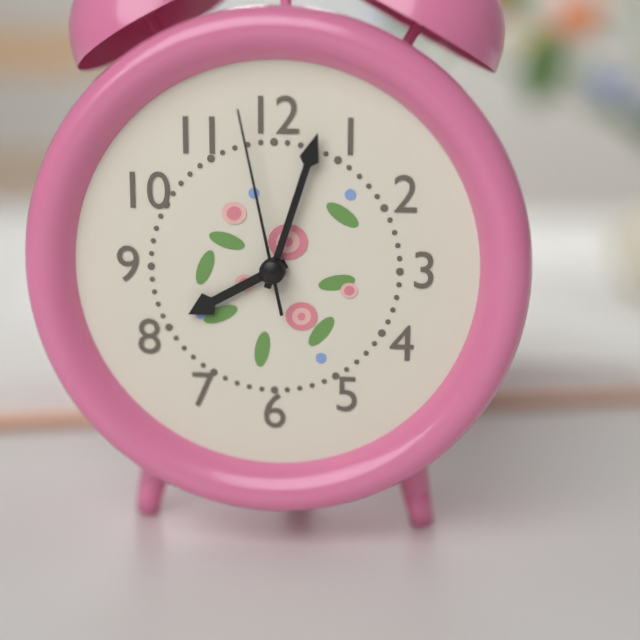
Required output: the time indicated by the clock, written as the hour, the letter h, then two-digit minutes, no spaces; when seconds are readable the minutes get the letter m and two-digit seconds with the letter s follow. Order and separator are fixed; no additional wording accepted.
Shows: 8h03m58s
